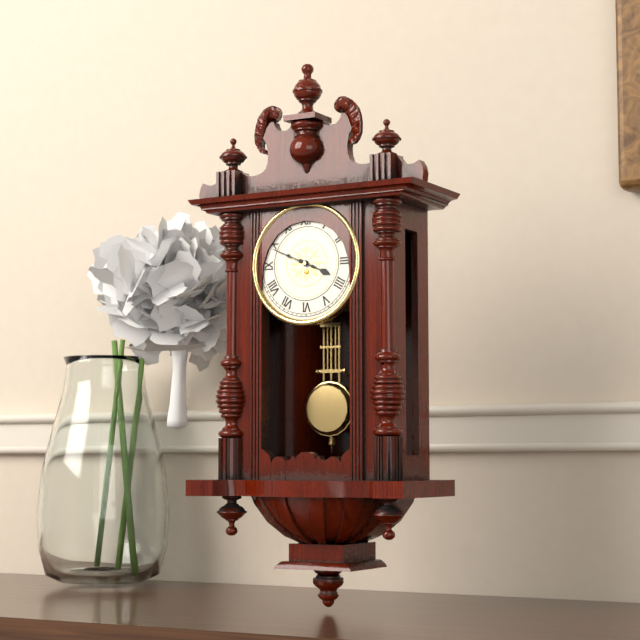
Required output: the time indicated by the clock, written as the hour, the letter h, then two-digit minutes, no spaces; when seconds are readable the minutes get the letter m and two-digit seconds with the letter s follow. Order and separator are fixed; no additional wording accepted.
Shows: 3h49
